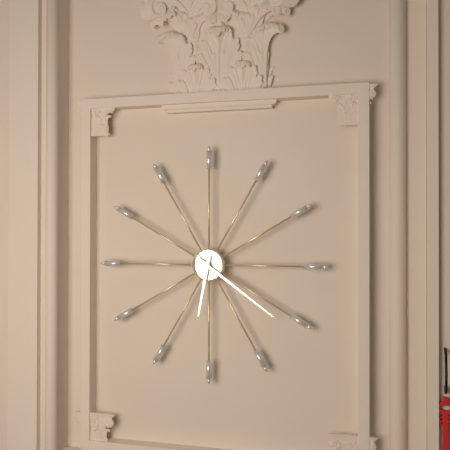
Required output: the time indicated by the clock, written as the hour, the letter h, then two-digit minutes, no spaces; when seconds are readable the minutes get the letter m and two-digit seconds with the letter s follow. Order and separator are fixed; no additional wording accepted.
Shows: 6h21
